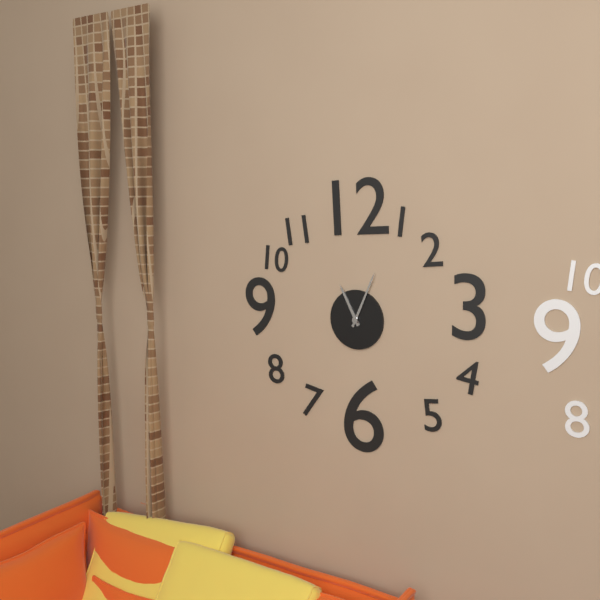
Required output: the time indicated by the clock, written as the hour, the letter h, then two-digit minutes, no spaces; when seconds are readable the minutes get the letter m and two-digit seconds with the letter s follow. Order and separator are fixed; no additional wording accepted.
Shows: 11h04
